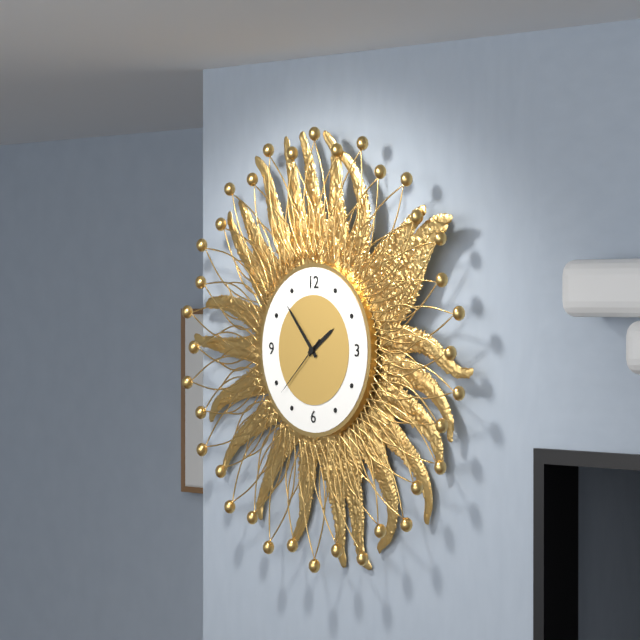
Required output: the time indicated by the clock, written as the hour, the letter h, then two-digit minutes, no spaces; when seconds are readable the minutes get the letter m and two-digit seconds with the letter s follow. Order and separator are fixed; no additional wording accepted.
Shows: 1h53m38s
